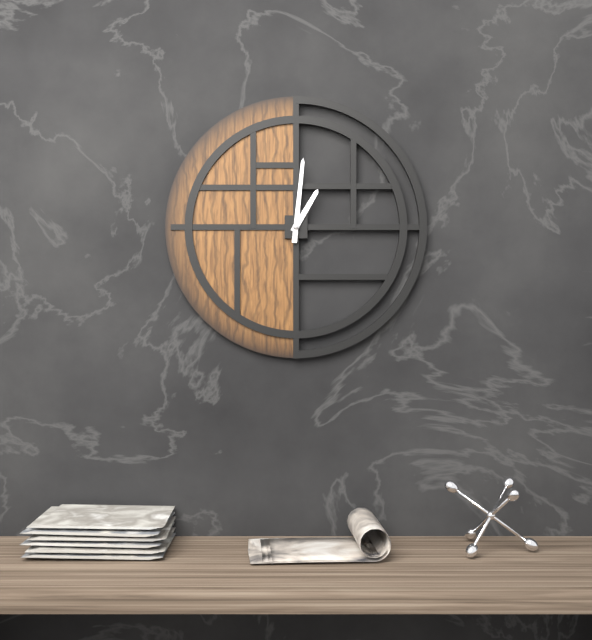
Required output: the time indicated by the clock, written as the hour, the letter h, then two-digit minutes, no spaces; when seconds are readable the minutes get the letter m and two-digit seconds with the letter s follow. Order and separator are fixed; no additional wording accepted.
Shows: 1h01
